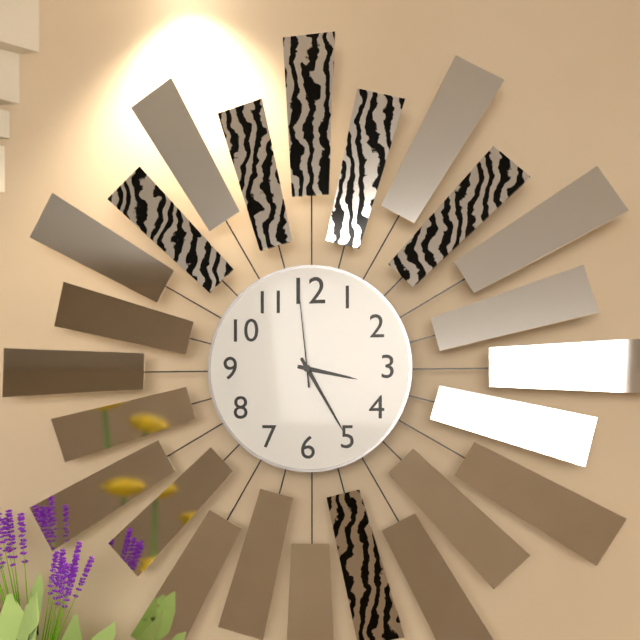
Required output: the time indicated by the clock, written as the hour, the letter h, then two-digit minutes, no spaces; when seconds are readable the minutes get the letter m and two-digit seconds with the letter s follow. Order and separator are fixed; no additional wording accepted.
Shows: 3h25m59s
